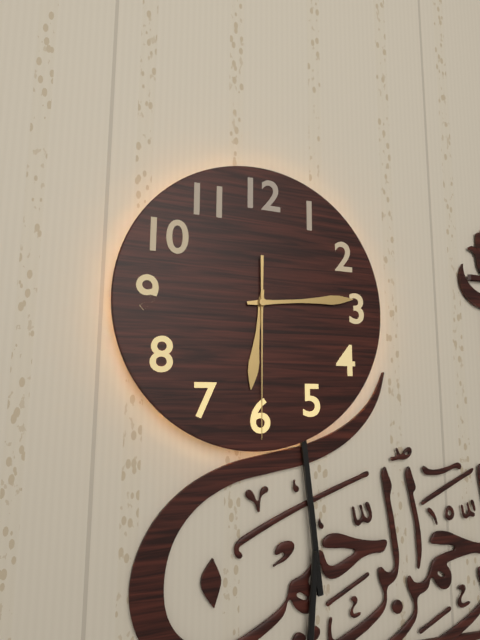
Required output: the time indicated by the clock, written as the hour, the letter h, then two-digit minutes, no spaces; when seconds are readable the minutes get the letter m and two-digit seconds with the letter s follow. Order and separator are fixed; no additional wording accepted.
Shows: 6h14m30s
